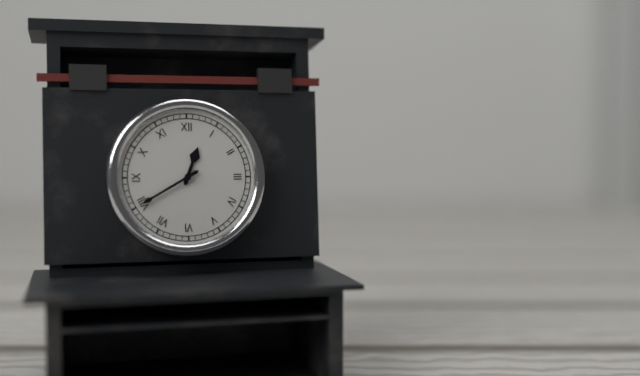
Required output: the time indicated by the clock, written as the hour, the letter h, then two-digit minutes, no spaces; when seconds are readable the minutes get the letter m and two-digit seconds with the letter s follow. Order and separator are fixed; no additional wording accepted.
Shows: 12h40
